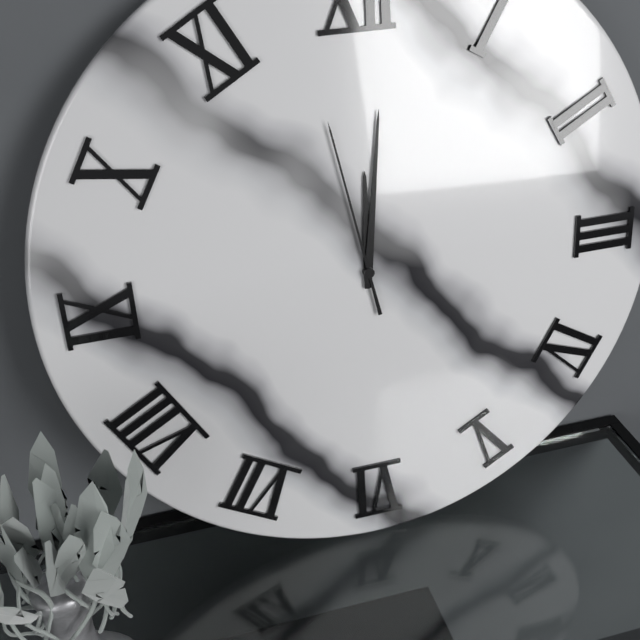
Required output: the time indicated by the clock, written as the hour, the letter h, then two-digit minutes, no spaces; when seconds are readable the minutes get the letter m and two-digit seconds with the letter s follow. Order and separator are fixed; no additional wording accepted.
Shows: 12h01m58s
